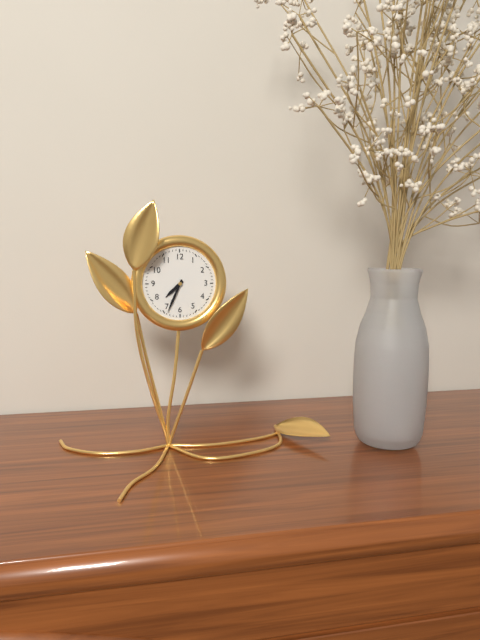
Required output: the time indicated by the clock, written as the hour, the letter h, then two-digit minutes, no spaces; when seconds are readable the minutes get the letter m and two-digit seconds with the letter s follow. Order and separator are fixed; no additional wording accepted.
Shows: 7h34
